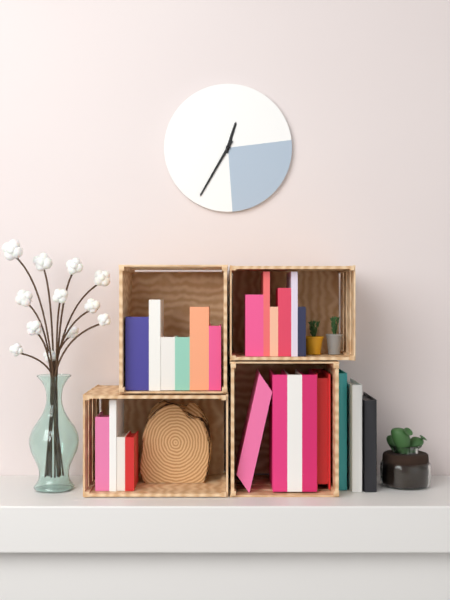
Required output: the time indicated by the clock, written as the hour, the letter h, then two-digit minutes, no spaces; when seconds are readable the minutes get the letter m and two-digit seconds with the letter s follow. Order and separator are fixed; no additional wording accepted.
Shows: 12h35
